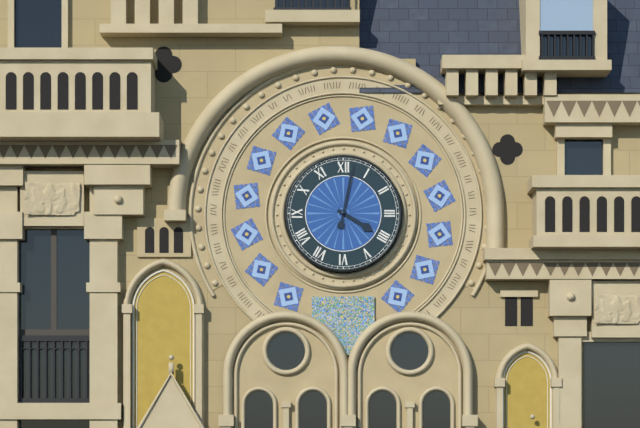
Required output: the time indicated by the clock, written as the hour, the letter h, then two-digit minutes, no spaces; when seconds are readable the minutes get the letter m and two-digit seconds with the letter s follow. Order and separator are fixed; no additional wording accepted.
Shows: 4h02
